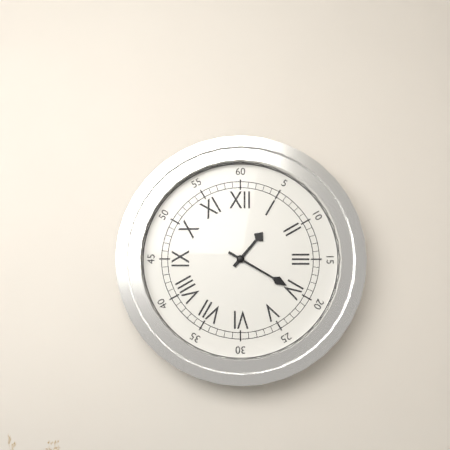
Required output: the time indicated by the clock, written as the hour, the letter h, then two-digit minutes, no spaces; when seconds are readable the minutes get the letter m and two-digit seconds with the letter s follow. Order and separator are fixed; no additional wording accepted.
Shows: 1h20
